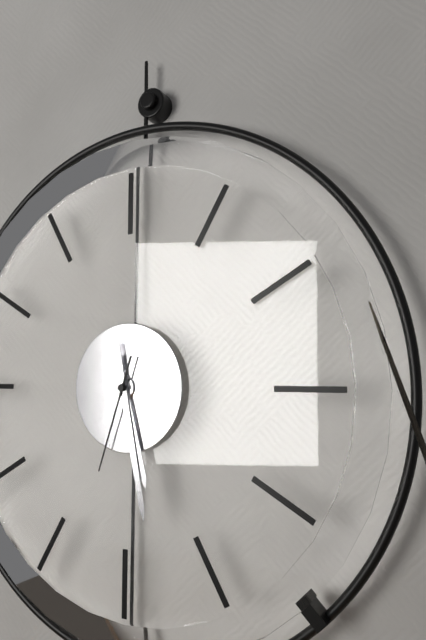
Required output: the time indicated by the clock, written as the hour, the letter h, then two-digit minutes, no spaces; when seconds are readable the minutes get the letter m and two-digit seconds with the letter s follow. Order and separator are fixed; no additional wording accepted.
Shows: 5h28m33s
